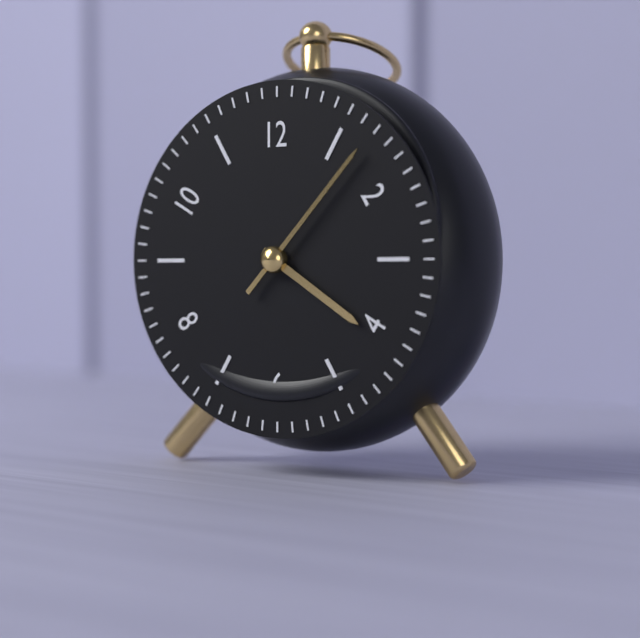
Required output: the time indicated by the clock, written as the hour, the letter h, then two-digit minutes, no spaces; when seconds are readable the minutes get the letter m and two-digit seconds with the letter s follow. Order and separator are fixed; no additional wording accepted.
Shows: 4h07
